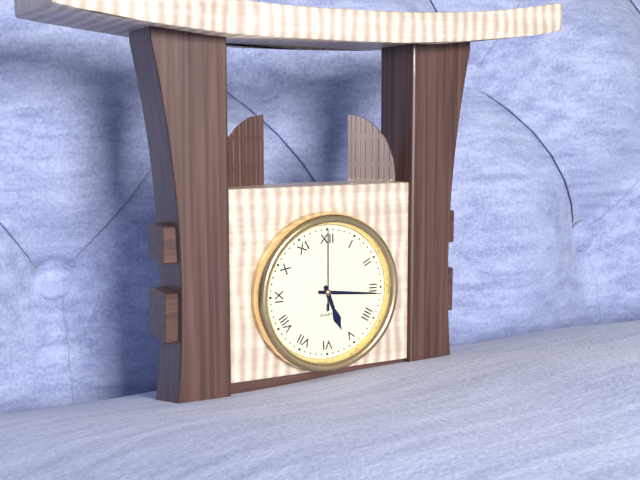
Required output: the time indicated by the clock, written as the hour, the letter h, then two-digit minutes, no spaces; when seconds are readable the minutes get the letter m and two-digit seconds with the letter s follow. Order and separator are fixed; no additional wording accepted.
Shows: 5h16m00s
